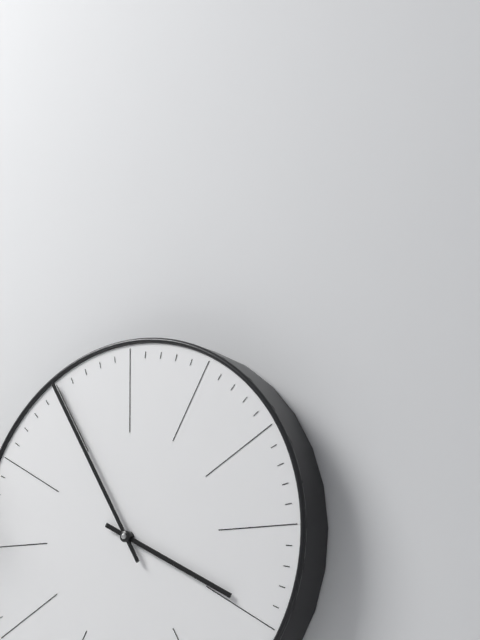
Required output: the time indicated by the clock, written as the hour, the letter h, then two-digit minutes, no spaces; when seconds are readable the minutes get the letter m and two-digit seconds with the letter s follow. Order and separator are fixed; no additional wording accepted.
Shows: 3h55
